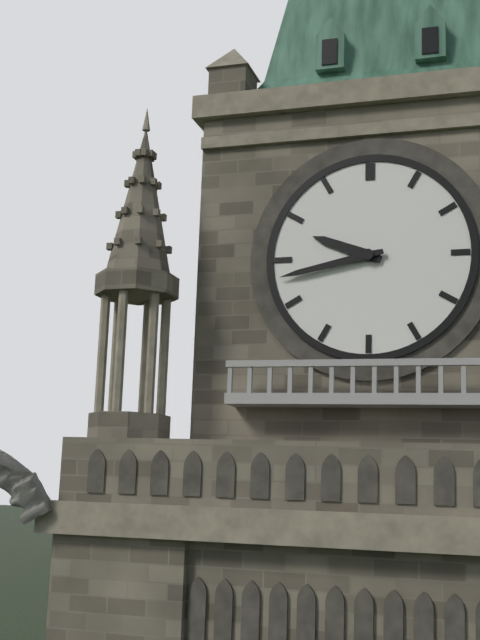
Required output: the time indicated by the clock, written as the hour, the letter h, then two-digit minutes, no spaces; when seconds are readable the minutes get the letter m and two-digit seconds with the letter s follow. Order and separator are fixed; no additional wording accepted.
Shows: 9h43
